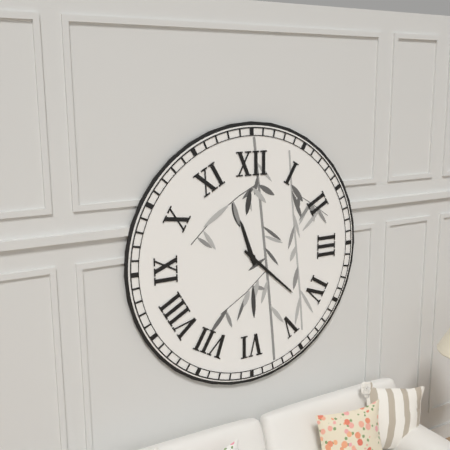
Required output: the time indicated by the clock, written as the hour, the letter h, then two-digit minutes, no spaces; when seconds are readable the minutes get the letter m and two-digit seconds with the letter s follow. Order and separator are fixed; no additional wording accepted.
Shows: 11h22
